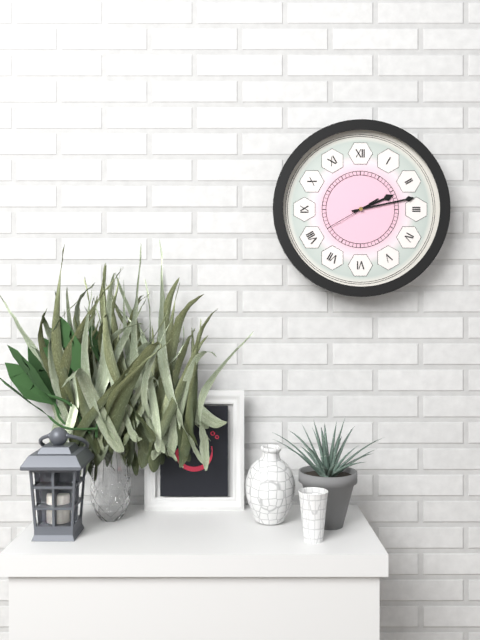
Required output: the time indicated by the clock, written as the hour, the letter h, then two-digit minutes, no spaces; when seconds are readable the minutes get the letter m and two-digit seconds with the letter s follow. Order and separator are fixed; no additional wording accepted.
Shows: 2h13
